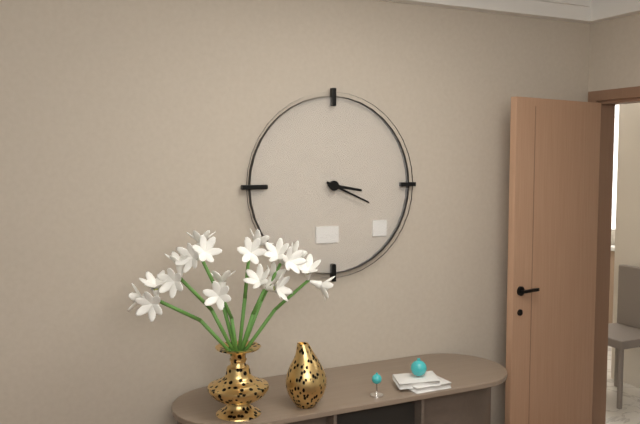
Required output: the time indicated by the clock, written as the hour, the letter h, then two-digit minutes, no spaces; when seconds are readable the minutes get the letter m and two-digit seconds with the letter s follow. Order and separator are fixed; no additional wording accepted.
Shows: 3h19
